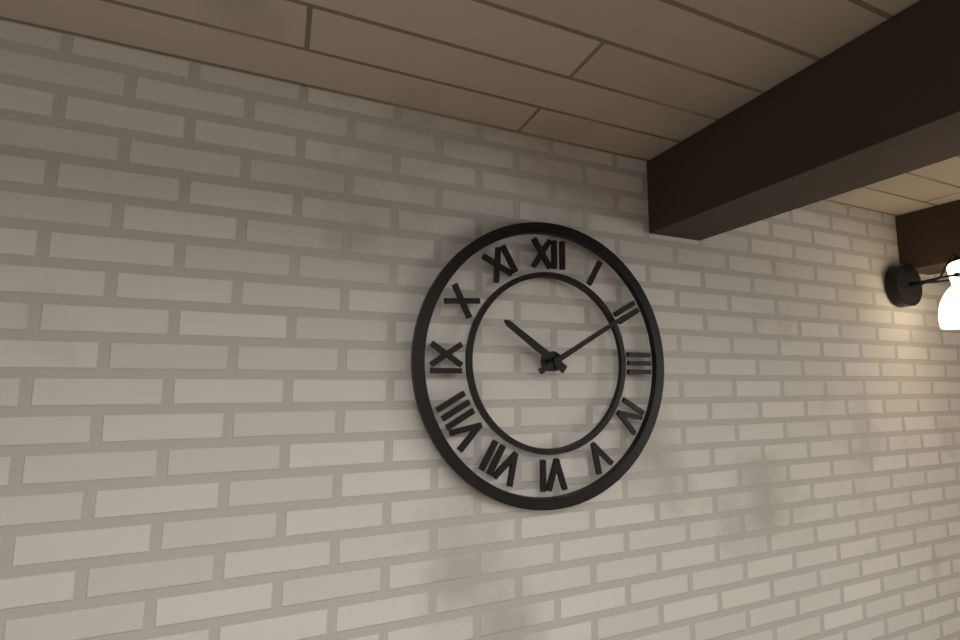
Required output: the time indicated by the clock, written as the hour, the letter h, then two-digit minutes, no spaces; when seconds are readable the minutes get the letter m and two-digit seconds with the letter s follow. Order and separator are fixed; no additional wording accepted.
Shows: 10h10
